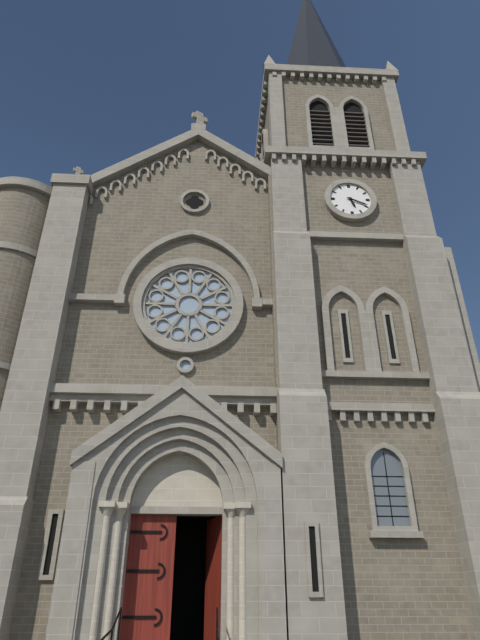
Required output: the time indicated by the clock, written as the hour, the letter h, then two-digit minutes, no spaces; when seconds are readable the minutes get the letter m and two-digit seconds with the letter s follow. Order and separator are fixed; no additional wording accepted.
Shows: 5h19
